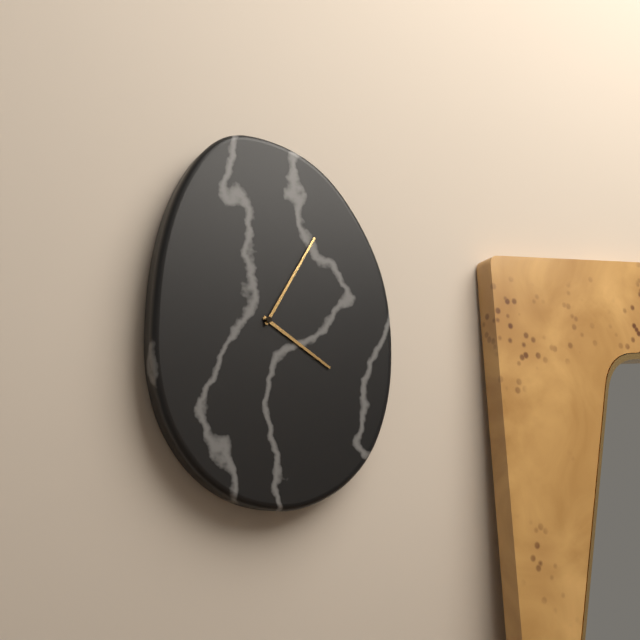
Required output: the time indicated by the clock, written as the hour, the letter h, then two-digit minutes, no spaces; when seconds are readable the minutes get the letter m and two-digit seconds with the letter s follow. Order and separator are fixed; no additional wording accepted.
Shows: 4h05
